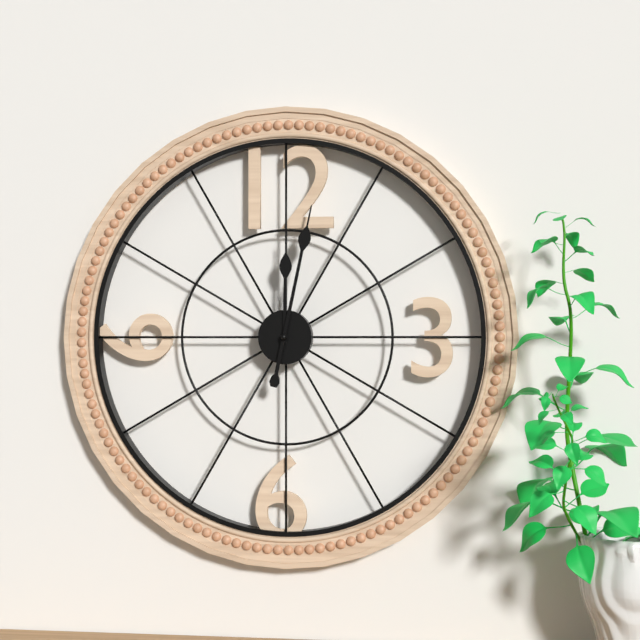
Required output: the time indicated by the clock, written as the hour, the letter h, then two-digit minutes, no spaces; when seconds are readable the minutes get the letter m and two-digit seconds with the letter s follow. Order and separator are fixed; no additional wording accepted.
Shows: 12h02
